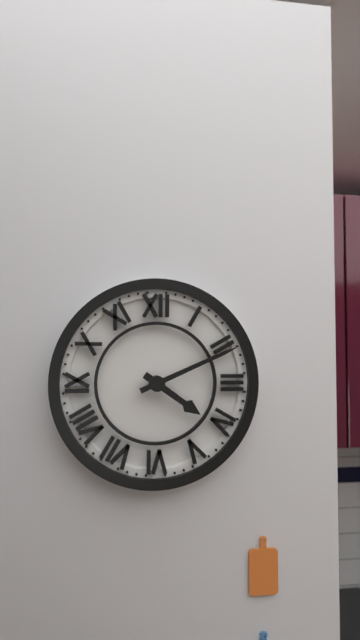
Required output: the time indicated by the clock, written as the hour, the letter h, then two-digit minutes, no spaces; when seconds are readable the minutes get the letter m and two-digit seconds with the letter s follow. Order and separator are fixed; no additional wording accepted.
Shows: 4h11
